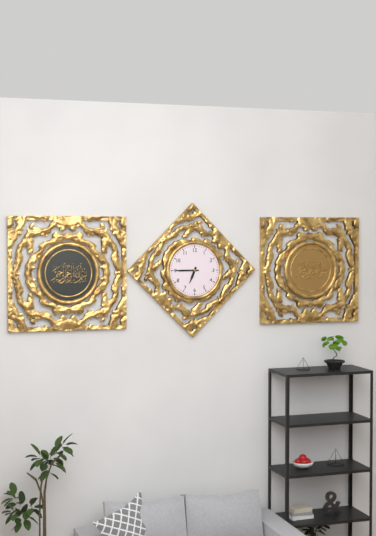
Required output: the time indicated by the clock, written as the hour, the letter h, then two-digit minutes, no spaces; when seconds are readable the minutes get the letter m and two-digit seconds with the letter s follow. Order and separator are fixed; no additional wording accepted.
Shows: 6h45
